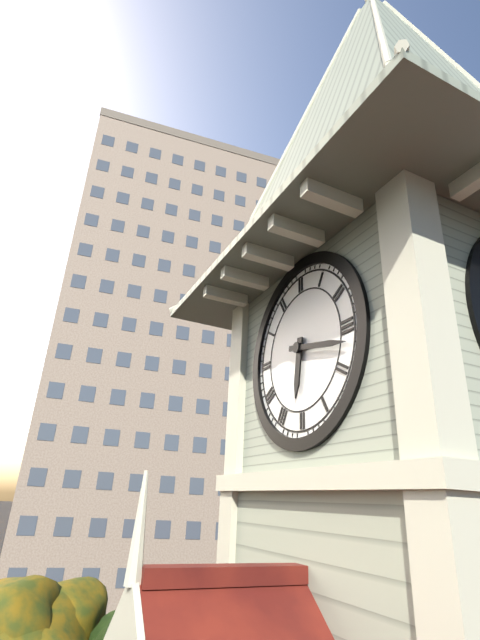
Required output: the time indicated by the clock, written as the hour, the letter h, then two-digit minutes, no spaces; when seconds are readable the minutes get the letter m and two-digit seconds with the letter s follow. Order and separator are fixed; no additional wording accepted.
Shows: 6h17
